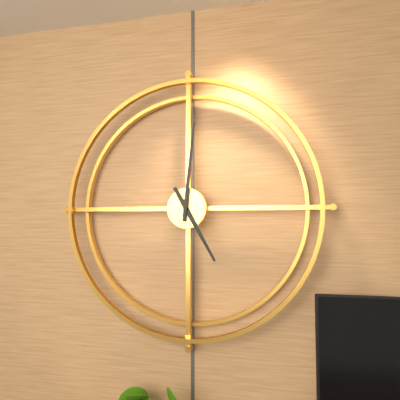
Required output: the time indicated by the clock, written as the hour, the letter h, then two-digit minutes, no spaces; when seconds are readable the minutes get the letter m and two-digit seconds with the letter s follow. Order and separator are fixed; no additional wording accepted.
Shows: 5h01
